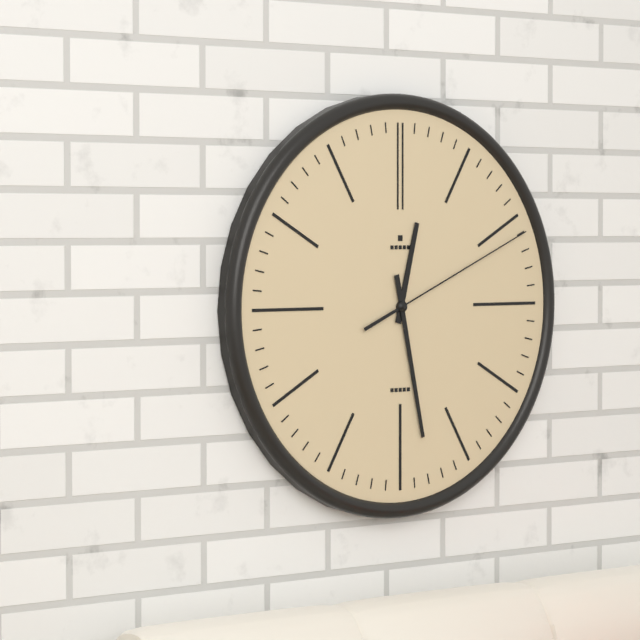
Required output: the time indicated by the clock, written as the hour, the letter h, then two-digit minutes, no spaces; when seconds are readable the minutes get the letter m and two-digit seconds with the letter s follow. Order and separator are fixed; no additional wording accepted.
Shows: 12h28m11s
